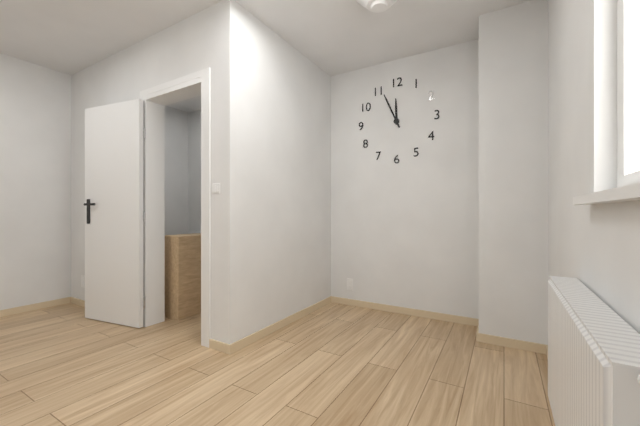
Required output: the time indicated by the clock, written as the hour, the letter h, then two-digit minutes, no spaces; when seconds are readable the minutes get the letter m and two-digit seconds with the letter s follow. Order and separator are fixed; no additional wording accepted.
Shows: 11h56
